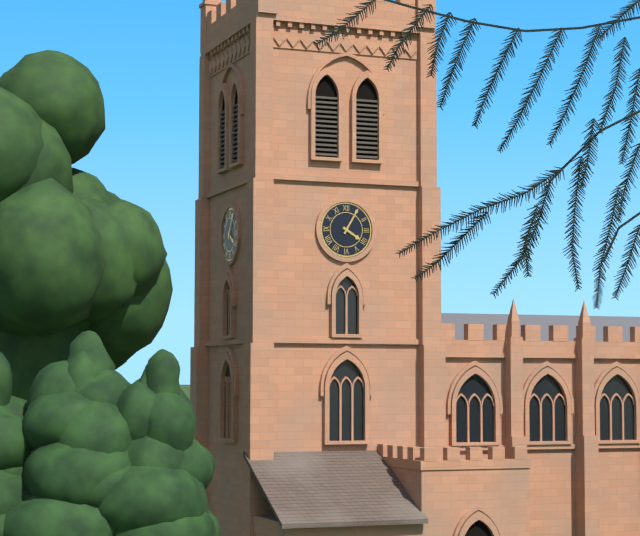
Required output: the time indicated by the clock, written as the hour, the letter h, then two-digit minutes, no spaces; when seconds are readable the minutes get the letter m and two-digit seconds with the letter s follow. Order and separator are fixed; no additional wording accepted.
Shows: 4h05
